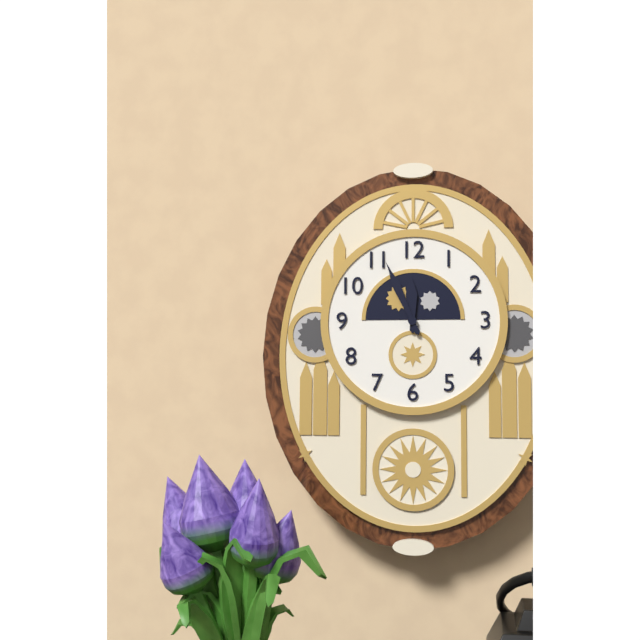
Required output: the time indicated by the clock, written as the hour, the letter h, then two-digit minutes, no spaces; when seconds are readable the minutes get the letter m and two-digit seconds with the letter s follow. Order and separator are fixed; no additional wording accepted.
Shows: 11h56
